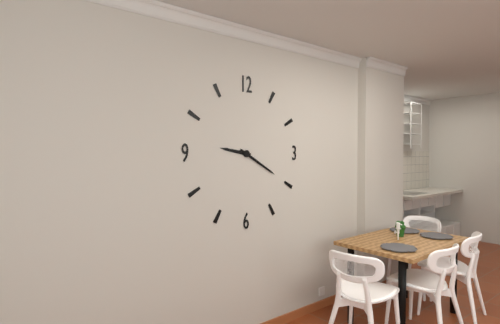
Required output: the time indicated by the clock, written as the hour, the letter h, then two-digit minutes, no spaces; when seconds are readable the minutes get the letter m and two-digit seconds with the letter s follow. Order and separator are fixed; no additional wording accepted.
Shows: 9h20
